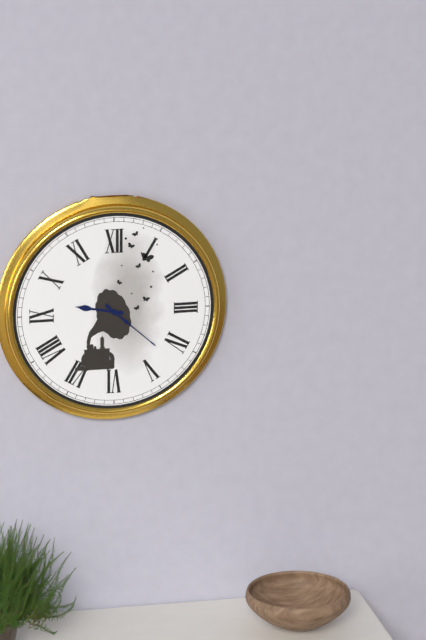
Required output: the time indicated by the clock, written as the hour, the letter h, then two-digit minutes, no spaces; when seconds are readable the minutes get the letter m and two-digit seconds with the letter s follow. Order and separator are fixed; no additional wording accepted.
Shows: 9h22
